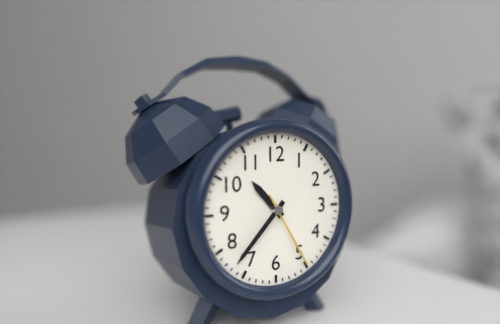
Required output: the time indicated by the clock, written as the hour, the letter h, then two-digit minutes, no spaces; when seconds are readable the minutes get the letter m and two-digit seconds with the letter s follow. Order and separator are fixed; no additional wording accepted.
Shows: 10h37m25s
